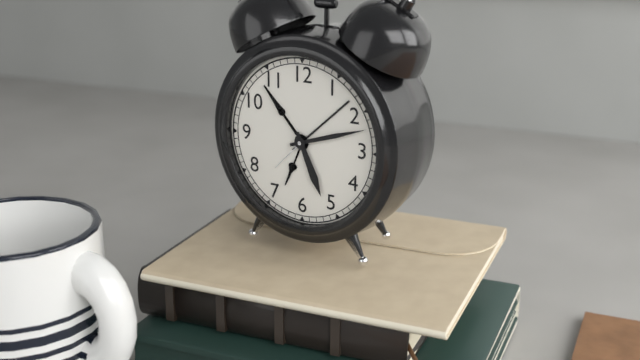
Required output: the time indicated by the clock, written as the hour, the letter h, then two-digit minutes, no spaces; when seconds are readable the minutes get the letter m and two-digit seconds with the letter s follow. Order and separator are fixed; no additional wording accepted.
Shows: 5h12
